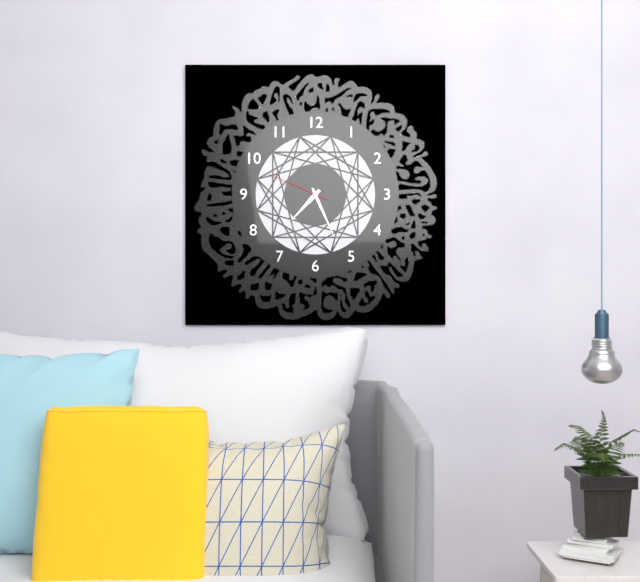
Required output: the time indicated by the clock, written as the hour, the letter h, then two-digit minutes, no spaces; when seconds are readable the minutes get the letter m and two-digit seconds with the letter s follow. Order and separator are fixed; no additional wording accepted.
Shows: 7h26m49s
